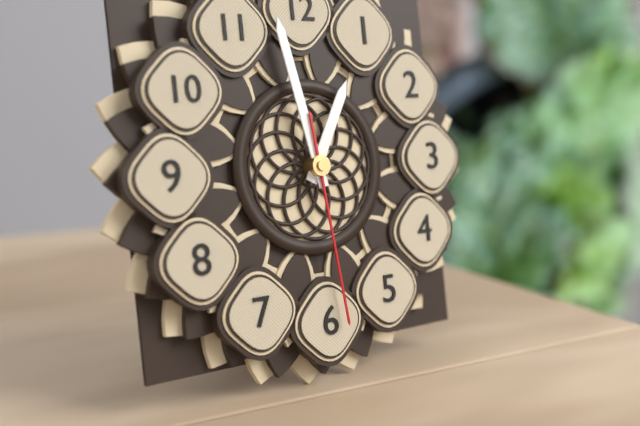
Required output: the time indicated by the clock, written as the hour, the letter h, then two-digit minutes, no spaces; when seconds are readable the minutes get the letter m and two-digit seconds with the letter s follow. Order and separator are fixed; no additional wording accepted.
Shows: 12h58m29s
